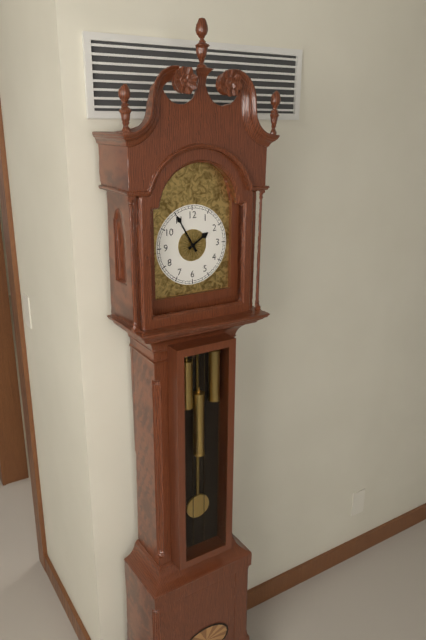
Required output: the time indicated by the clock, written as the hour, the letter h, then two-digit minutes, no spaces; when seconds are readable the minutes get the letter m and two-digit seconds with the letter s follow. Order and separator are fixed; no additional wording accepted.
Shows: 1h55
